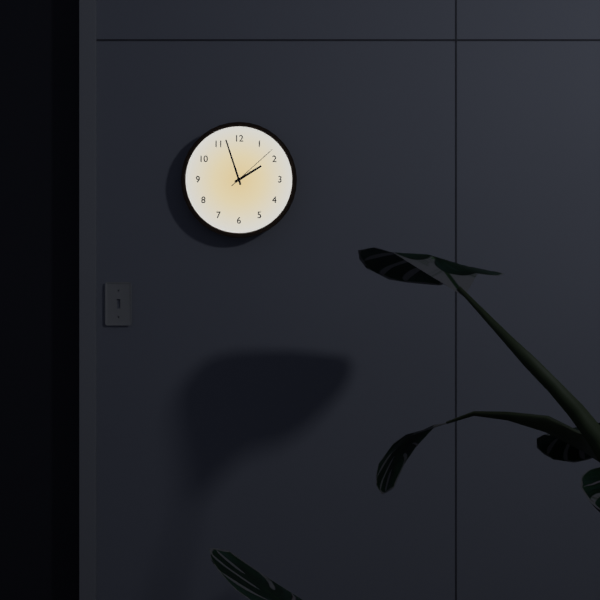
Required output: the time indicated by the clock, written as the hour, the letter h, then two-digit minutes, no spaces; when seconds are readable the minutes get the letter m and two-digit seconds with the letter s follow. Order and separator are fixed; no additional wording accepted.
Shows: 1h57m08s
